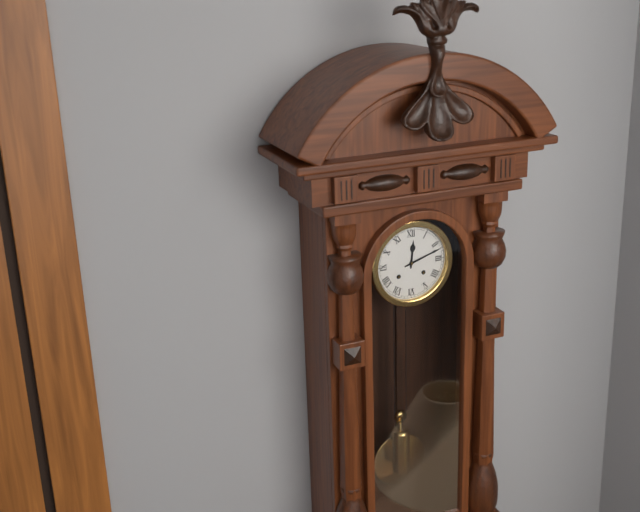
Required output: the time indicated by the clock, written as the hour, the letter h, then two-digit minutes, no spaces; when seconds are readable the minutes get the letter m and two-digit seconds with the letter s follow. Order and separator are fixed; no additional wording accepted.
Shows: 12h12
